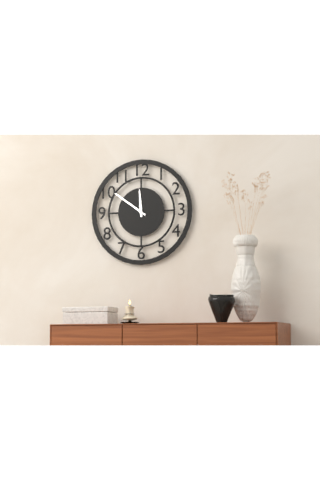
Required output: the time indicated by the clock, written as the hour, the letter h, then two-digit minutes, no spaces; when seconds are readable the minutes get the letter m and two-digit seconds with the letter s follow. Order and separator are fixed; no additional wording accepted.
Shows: 11h51
